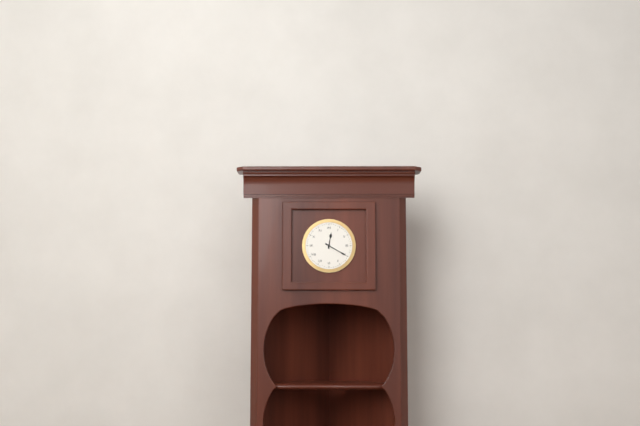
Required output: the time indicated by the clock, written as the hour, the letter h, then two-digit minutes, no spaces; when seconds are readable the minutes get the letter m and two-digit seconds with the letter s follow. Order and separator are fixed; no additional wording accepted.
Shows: 12h20
